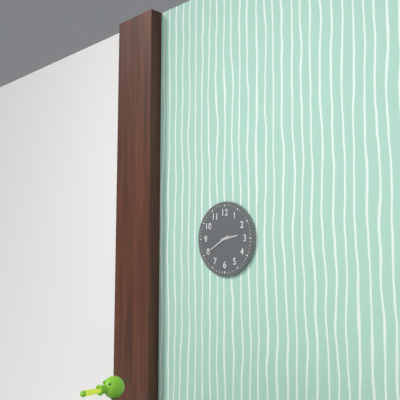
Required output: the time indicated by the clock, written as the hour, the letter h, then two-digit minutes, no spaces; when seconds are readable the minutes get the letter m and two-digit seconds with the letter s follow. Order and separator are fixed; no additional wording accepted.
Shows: 2h40
